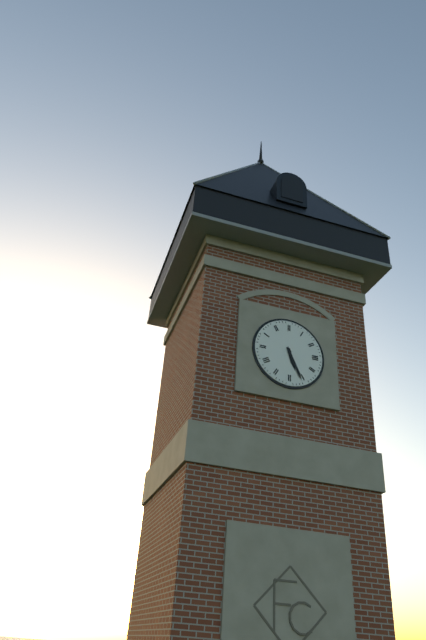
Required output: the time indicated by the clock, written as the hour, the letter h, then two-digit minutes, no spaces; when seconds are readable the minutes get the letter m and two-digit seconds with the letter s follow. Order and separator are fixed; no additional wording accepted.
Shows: 5h26
